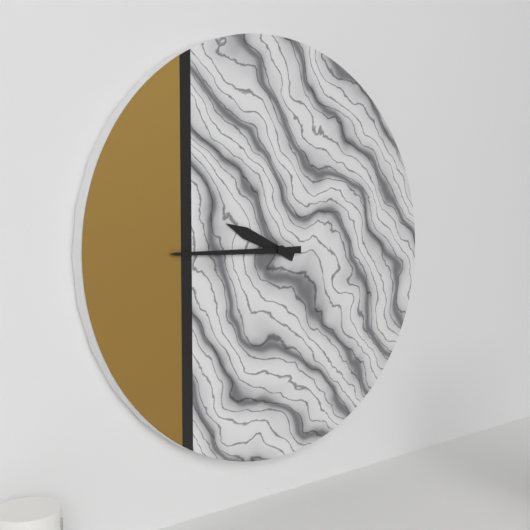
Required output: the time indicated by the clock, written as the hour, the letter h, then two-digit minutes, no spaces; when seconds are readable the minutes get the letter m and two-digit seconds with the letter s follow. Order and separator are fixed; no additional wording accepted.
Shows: 9h45
